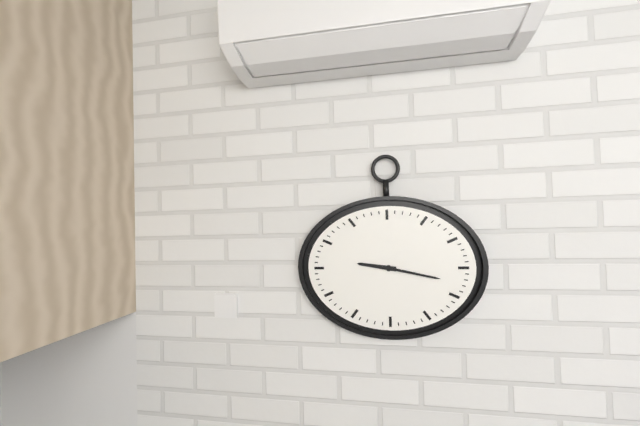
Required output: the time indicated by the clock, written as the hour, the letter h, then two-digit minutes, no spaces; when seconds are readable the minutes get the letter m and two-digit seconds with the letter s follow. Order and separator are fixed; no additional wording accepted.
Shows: 9h17
